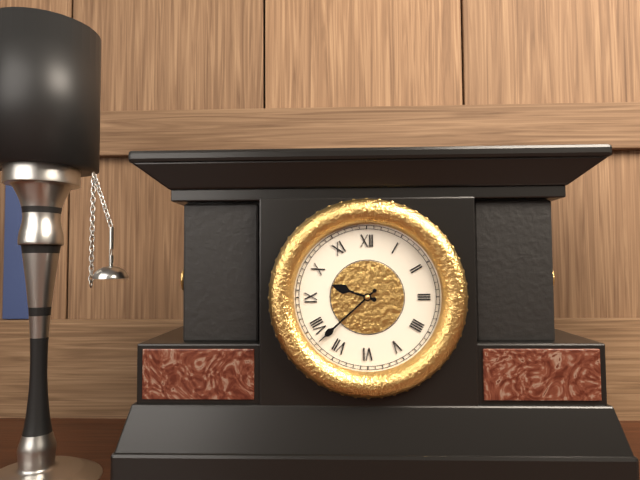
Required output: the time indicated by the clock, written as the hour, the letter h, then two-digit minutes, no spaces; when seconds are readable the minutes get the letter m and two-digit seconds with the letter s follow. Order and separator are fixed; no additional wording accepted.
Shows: 9h38
